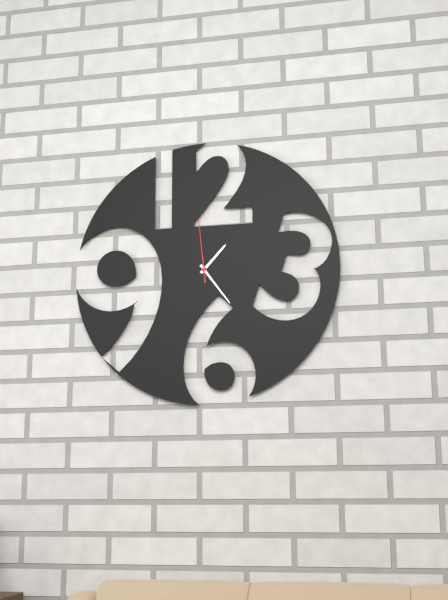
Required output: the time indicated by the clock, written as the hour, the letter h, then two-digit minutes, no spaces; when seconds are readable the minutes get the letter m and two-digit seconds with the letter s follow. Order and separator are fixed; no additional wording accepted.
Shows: 1h24m59s
